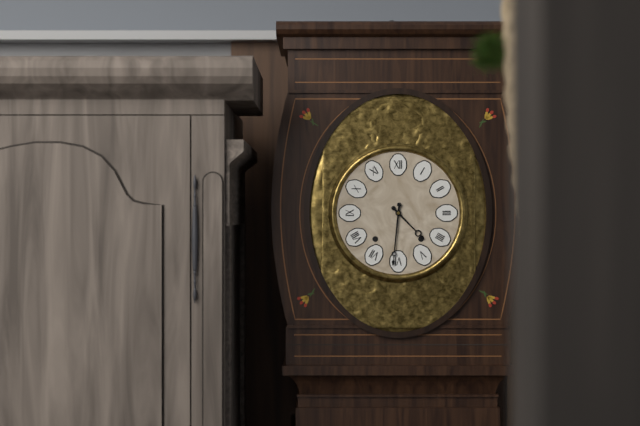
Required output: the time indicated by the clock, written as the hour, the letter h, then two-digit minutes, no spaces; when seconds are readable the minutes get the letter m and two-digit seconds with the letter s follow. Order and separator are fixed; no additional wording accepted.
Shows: 4h31
